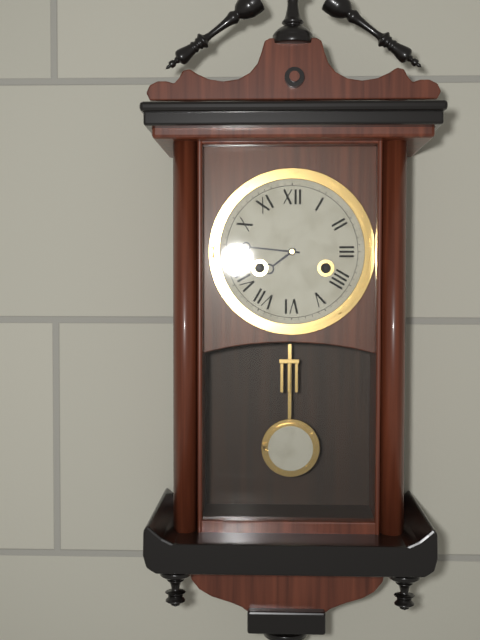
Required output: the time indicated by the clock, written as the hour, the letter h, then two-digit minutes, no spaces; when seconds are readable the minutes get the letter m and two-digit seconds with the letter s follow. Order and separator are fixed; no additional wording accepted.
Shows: 7h46
